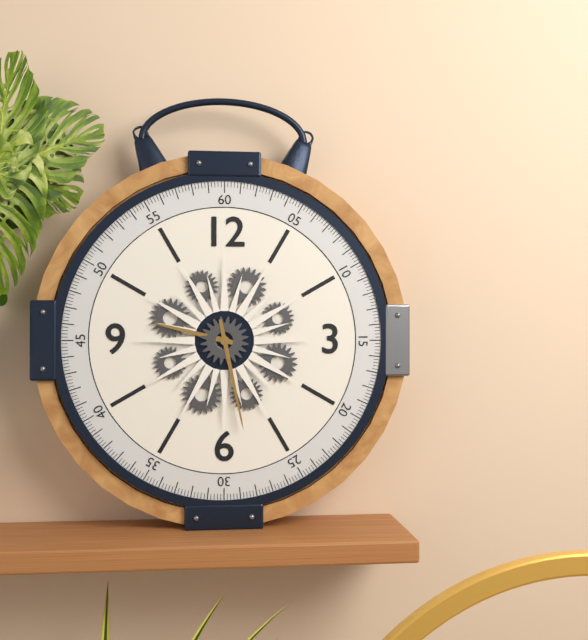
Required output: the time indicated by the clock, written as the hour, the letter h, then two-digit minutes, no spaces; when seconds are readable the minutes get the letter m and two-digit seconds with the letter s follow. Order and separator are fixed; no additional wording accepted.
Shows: 9h28
